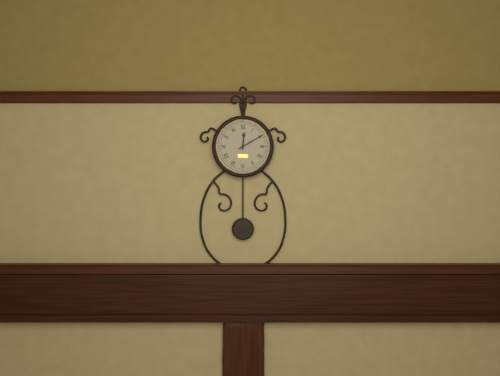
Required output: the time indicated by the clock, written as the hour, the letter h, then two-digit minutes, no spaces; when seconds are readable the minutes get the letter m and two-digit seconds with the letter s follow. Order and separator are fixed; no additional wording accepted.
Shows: 12h10
